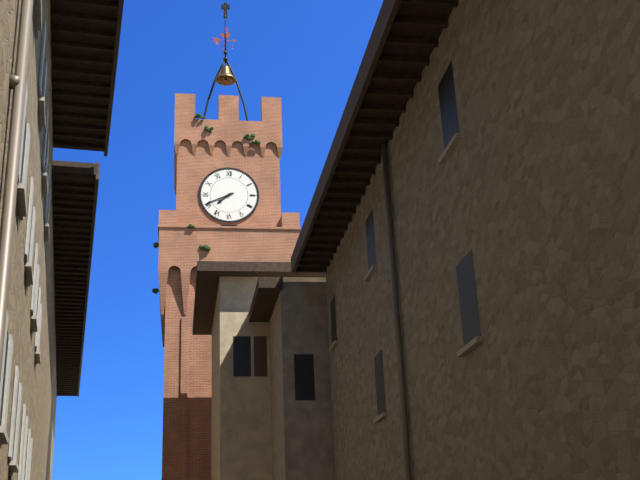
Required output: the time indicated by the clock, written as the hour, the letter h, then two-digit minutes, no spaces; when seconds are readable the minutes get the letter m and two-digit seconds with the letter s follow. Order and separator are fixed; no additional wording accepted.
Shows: 7h41
